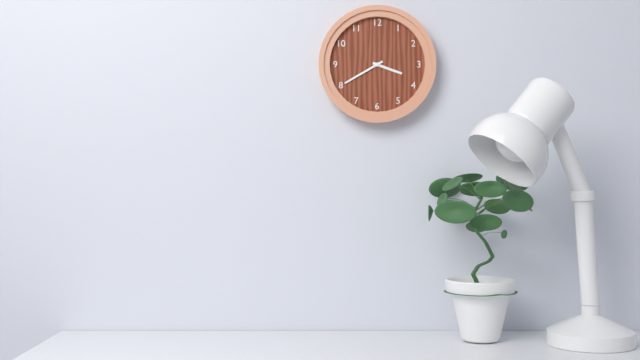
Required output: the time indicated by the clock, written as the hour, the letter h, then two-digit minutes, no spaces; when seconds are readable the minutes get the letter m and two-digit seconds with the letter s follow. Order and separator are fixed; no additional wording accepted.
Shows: 3h40
